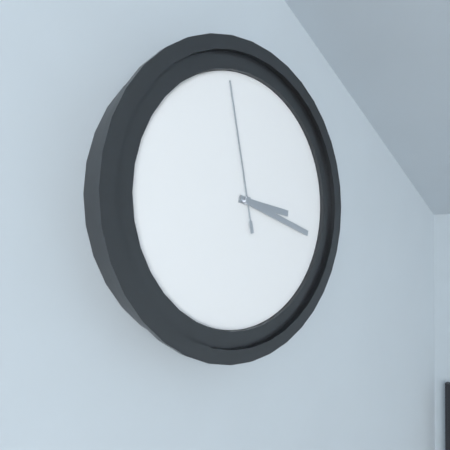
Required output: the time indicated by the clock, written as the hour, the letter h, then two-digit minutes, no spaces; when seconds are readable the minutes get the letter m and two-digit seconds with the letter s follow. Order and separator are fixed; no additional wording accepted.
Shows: 3h18m58s
